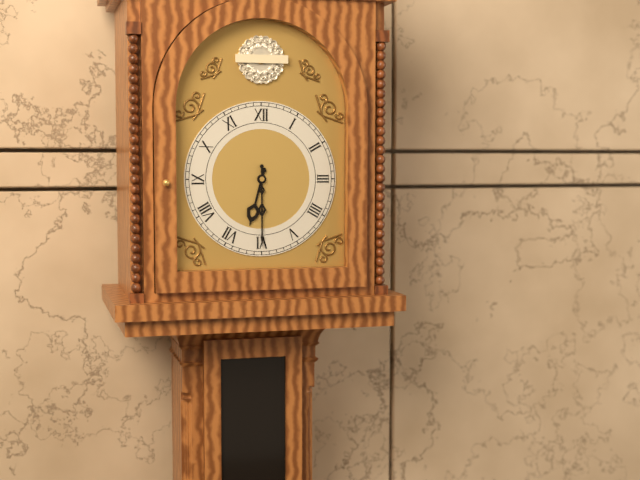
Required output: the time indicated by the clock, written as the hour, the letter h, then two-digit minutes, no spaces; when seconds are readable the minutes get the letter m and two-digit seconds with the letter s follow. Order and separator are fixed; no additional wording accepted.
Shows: 6h30
